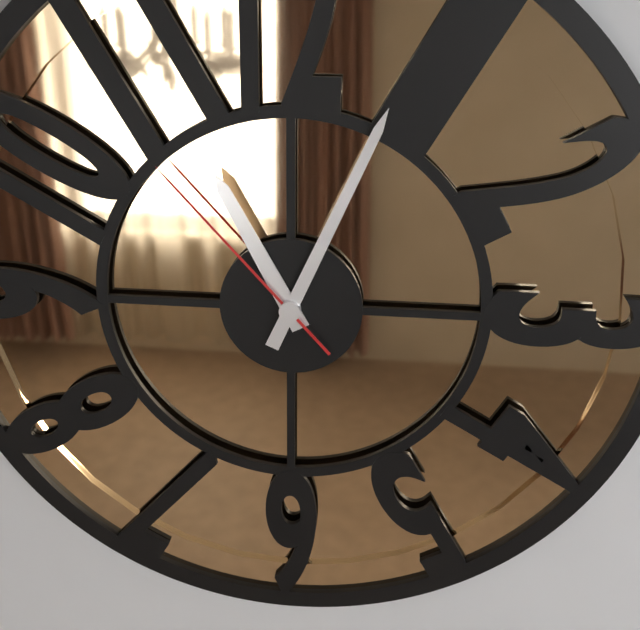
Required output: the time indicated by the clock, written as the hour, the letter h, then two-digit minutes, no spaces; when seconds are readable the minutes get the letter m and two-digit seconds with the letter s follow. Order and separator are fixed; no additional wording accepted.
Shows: 11h04m53s
